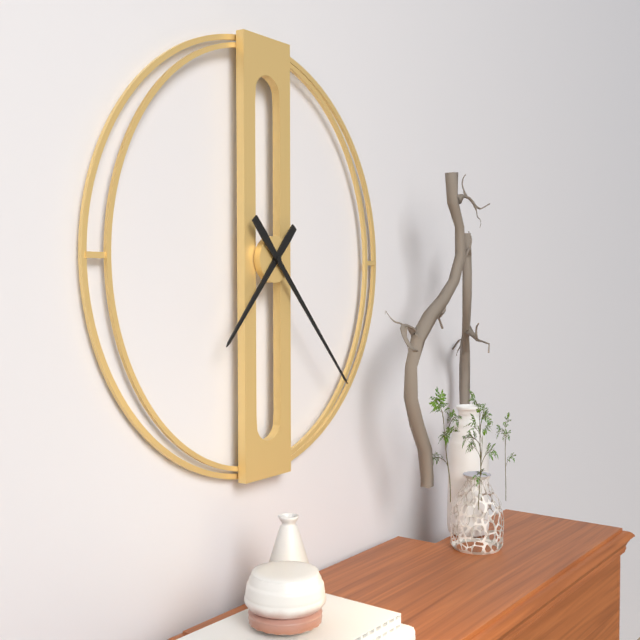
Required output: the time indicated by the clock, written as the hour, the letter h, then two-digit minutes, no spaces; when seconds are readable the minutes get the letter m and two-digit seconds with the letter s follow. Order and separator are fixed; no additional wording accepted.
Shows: 7h23
